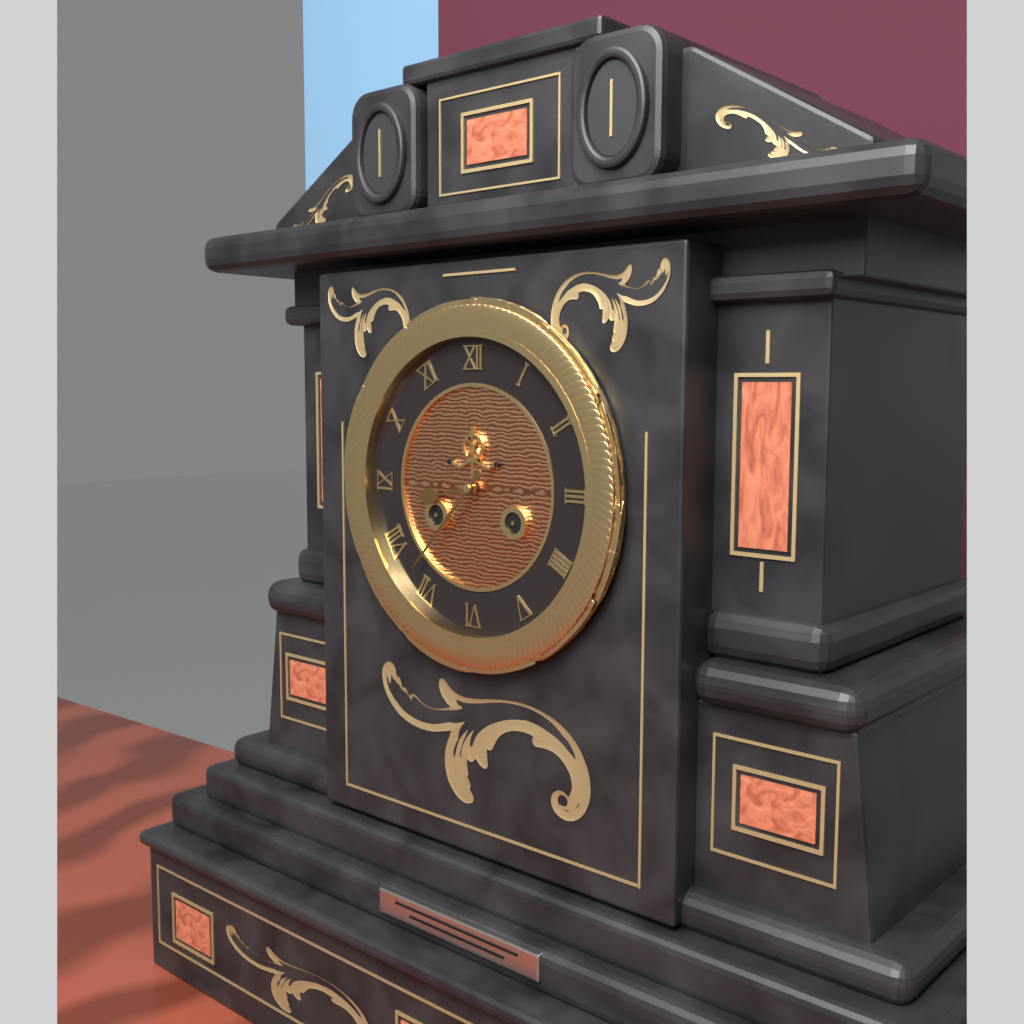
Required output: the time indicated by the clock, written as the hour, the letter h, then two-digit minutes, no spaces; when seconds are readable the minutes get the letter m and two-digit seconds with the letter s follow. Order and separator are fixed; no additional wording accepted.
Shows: 8h37
